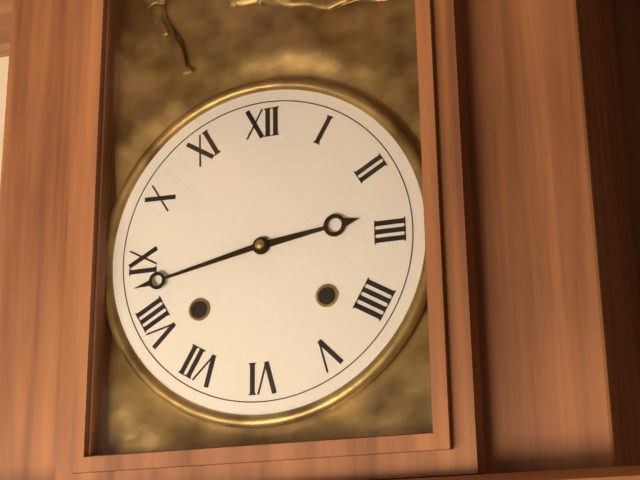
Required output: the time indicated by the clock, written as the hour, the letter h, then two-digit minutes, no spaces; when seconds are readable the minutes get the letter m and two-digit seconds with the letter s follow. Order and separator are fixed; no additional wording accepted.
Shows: 2h43
